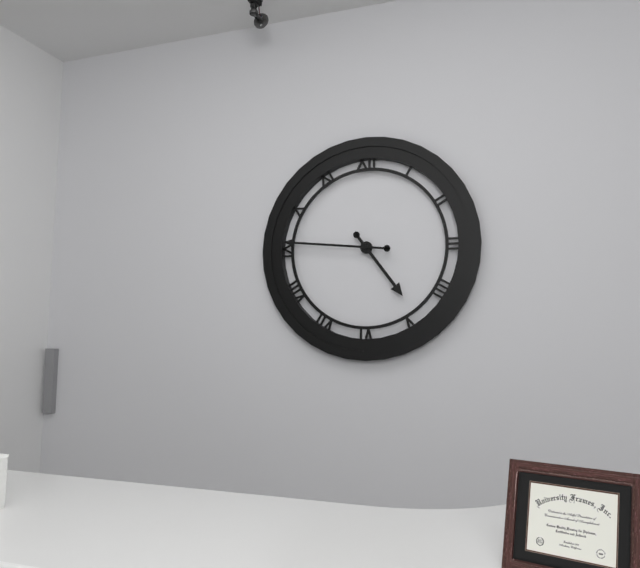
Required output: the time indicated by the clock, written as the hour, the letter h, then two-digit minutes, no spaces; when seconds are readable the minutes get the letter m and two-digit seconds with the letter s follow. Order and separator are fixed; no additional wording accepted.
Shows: 4h46
